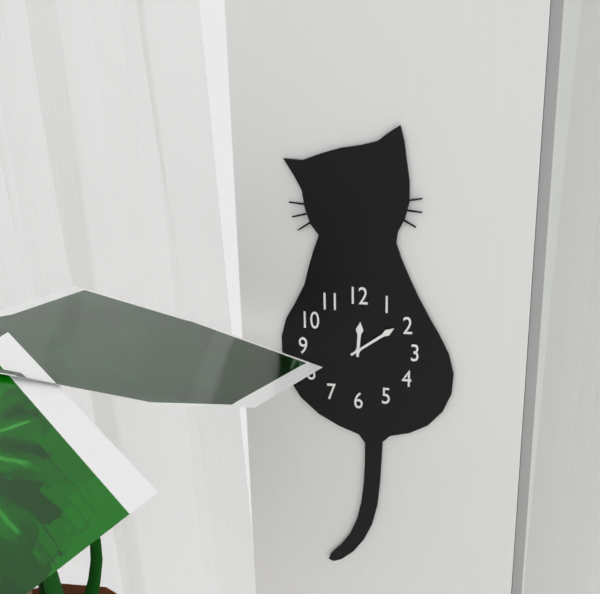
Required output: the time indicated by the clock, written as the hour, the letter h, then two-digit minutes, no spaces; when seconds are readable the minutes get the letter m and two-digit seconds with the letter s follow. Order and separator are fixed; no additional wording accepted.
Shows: 12h09
